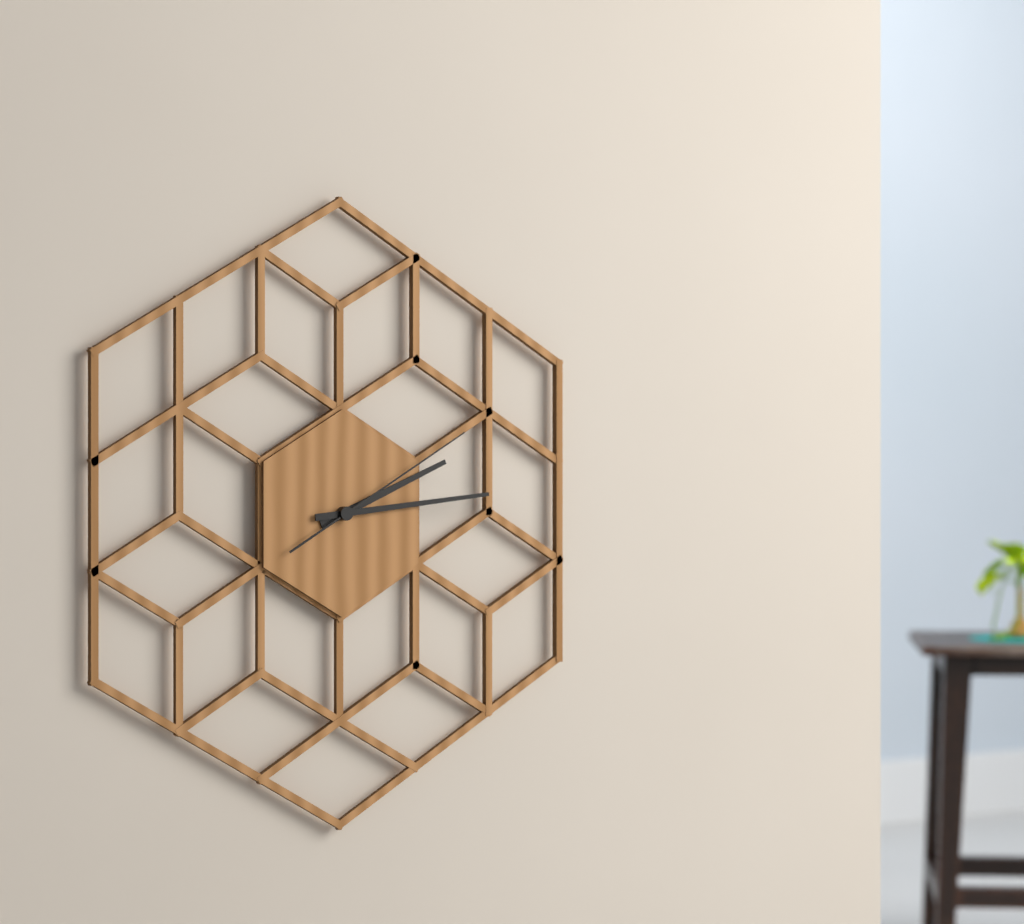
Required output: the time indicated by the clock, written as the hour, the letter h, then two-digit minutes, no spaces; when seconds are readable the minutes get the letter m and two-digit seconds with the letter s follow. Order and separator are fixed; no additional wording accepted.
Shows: 2h14m10s
